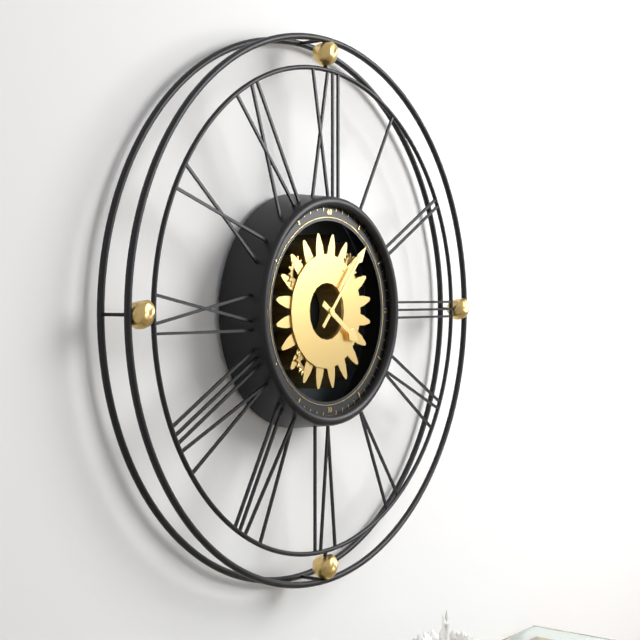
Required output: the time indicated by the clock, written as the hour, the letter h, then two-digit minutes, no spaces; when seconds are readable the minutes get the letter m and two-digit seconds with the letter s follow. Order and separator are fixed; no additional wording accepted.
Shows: 4h07
